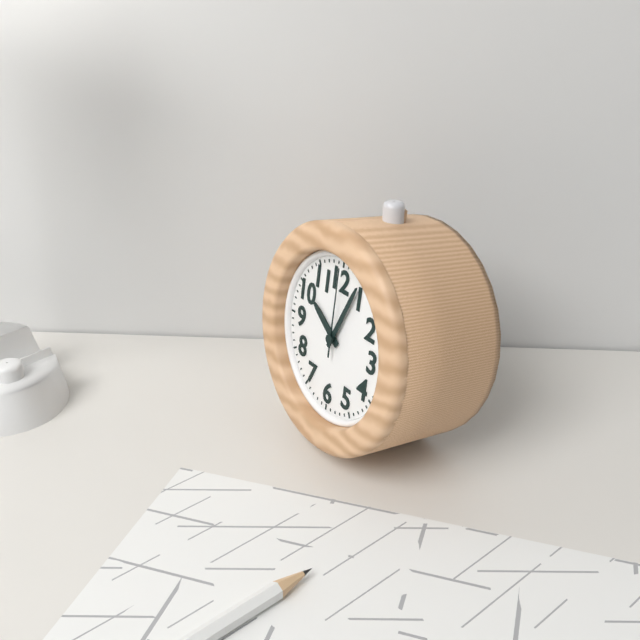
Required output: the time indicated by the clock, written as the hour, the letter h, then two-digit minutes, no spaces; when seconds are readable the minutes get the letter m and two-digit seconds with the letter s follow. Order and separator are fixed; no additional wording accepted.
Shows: 10h04m00s
